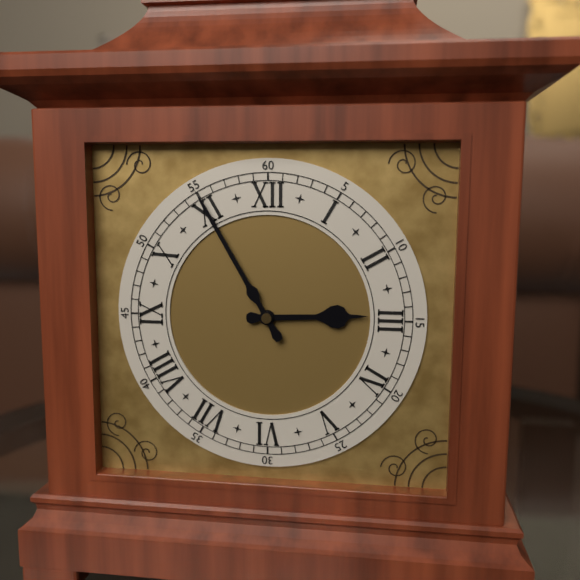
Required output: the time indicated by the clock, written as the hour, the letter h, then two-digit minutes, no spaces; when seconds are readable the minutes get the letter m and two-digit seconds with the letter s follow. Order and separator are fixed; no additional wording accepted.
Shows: 2h55
